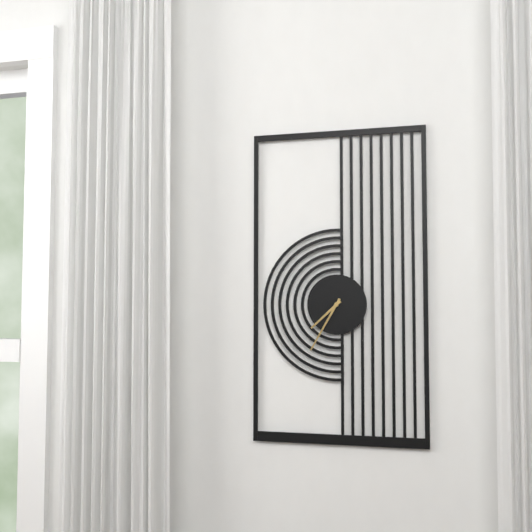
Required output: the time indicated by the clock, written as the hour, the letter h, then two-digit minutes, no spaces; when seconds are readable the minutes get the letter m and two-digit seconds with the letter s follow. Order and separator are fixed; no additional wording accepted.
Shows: 7h35
